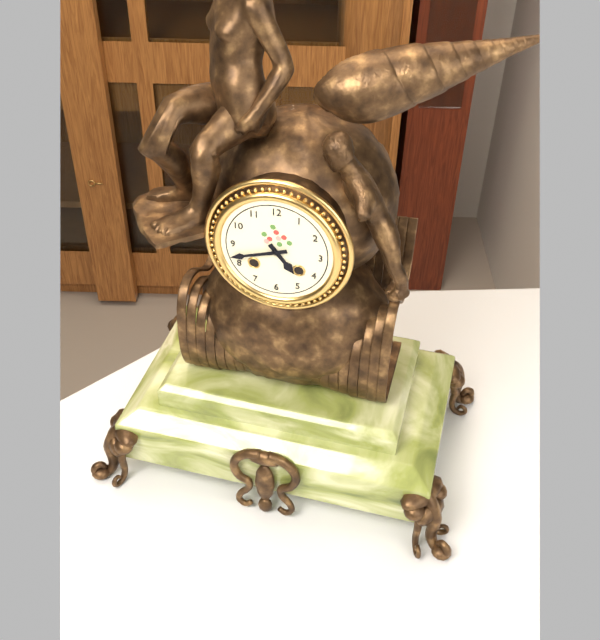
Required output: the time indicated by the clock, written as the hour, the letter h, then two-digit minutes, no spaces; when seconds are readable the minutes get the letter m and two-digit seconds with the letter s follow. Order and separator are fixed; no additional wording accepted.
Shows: 4h42
